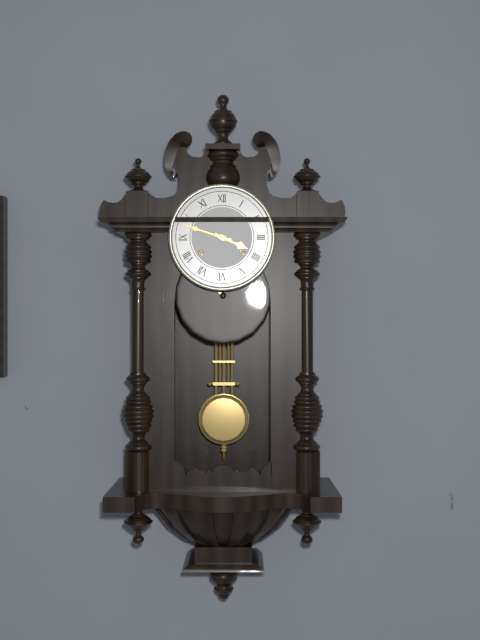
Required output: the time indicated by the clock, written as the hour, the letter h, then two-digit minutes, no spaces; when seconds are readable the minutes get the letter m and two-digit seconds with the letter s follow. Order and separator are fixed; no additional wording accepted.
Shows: 3h48
